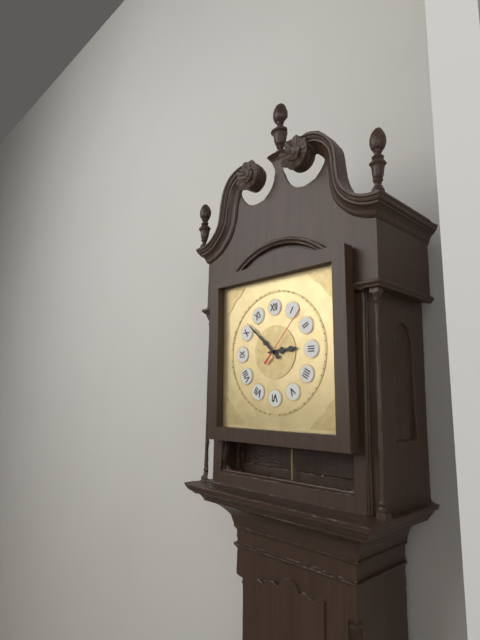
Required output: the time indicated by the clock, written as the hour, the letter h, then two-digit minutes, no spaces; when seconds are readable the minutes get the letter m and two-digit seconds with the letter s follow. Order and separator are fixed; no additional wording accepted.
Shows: 2h52m07s
